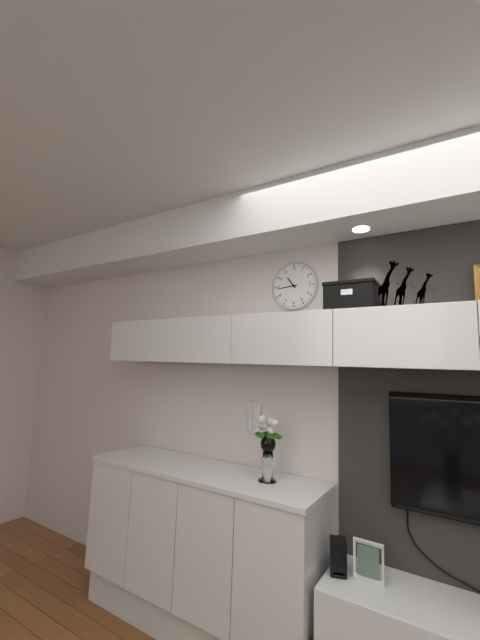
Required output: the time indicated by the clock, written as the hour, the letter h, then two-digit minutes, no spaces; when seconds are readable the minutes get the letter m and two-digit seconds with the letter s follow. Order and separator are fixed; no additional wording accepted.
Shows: 10h44
